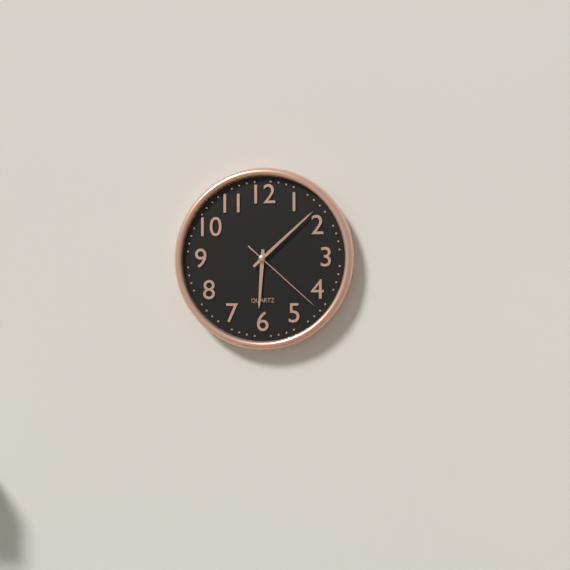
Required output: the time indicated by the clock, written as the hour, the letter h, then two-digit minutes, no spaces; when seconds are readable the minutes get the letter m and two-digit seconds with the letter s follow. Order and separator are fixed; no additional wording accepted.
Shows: 6h08m22s
